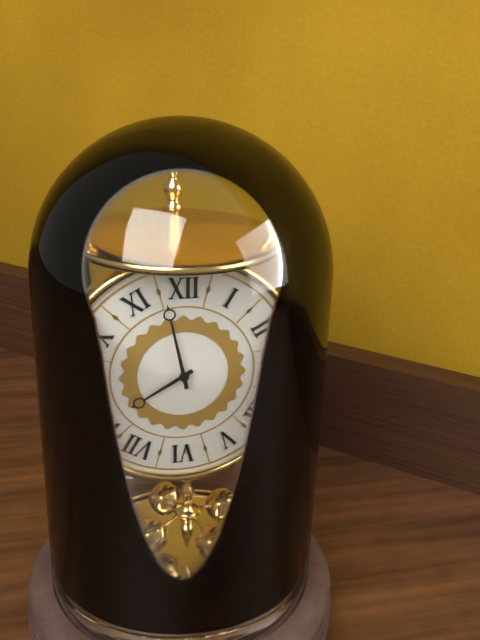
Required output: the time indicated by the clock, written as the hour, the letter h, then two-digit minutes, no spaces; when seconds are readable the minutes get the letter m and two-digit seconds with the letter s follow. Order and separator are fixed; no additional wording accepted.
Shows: 7h58
